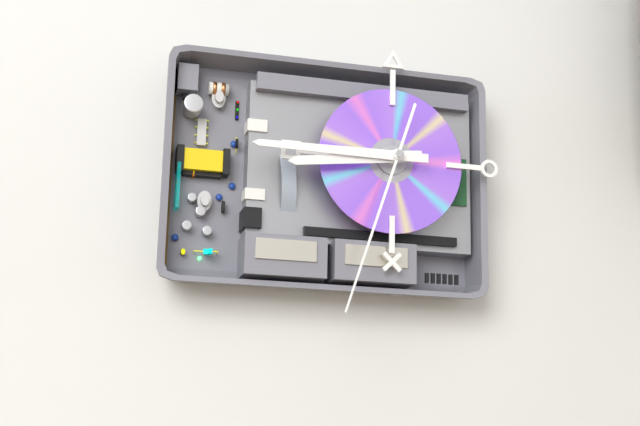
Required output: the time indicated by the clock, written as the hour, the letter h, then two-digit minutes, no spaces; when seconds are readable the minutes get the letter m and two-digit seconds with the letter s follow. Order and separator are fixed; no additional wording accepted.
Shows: 8h45m33s
